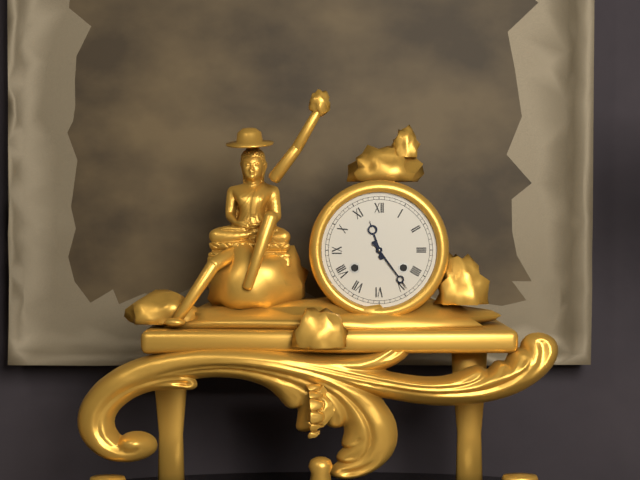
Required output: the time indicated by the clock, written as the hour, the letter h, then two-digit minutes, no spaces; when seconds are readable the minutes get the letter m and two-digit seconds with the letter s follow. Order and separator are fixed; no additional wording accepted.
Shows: 11h24
